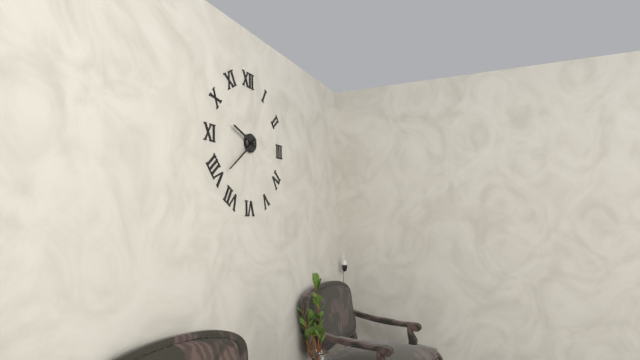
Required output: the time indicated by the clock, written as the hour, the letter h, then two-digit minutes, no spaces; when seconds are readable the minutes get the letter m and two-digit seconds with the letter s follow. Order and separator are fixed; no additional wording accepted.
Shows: 9h39
